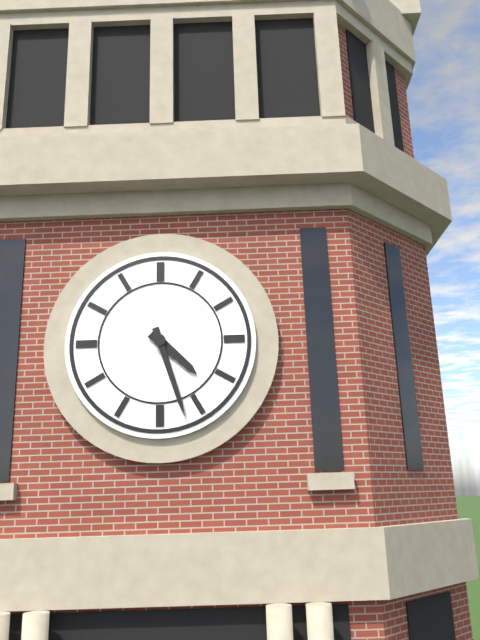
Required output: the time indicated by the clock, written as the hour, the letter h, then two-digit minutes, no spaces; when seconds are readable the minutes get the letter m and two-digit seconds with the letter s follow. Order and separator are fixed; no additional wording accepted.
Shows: 4h27
